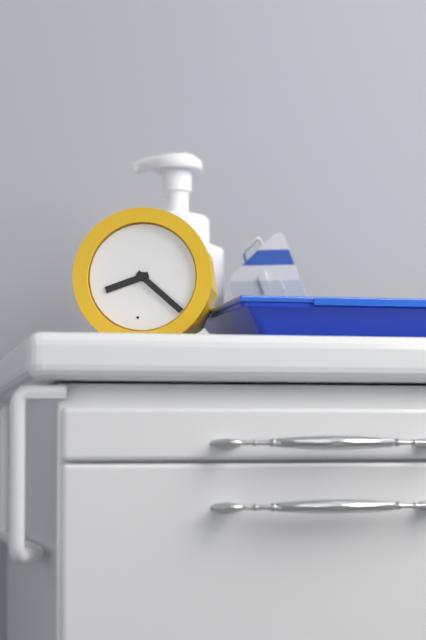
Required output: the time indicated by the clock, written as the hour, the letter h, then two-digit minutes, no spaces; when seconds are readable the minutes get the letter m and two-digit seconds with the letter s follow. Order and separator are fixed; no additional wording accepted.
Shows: 8h22
